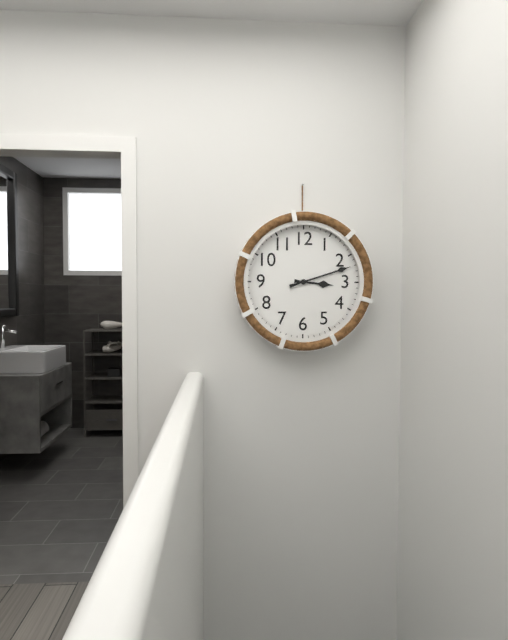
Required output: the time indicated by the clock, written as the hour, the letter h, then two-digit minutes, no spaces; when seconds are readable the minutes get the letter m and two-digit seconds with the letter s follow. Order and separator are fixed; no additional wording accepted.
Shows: 3h12
